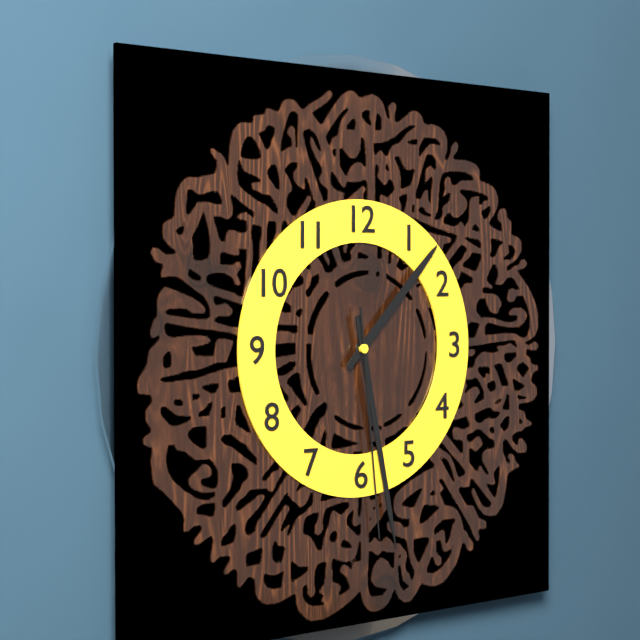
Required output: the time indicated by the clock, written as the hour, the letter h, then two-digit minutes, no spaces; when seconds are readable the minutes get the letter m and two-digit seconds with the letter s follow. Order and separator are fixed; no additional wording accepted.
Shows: 1h28m29s
